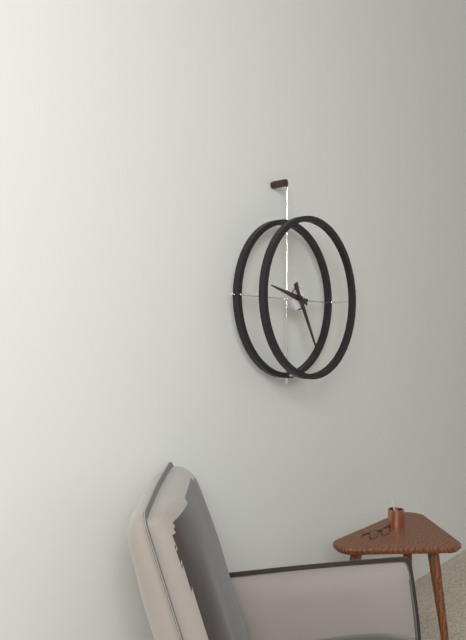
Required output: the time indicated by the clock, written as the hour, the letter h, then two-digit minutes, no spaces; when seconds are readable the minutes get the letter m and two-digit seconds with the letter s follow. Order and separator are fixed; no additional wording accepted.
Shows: 9h25
